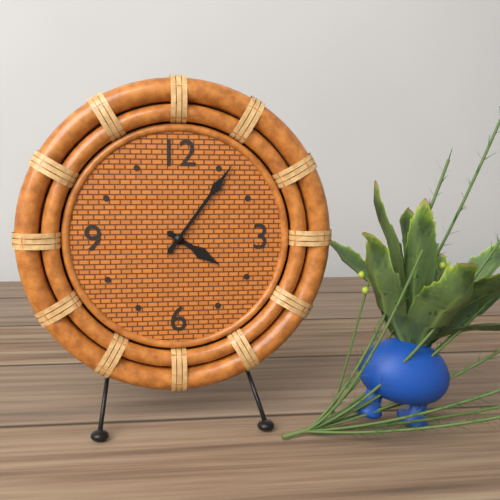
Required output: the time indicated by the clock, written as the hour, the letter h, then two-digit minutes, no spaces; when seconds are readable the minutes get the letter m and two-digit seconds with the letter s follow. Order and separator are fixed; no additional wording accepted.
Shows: 4h06
